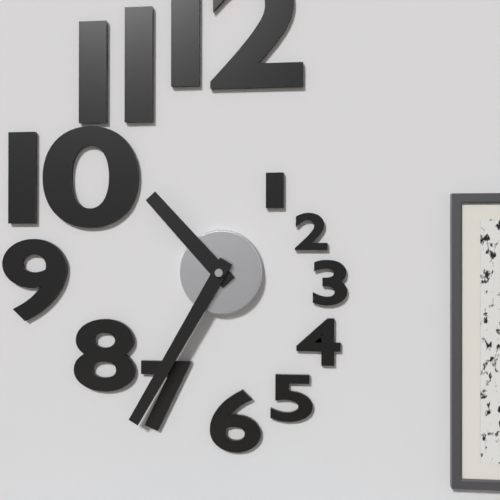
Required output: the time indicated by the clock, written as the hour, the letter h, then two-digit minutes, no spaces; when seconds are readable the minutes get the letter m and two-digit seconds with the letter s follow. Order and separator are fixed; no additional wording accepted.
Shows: 10h35
